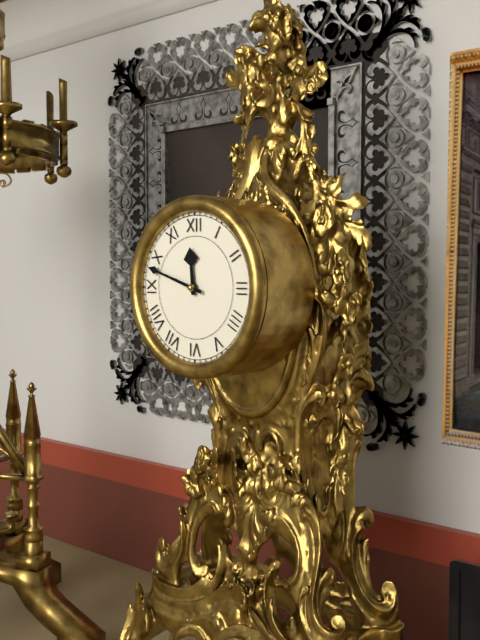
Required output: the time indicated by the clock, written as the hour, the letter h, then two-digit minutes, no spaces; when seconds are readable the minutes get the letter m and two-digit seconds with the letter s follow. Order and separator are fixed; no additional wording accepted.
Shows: 11h48
